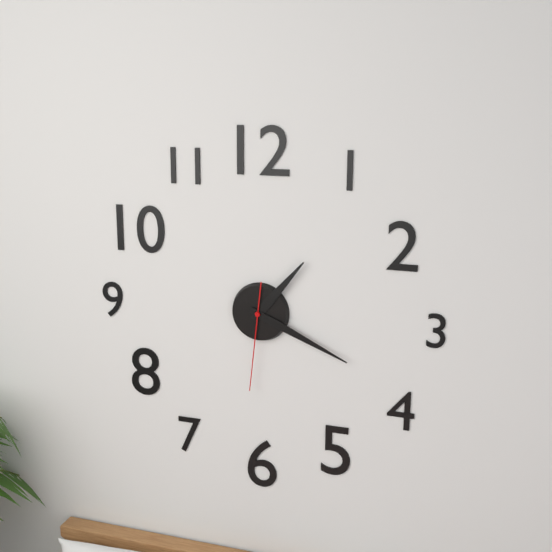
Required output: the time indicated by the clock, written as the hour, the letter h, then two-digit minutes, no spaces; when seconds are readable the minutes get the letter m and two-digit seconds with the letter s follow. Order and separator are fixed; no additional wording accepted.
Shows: 1h19m31s
